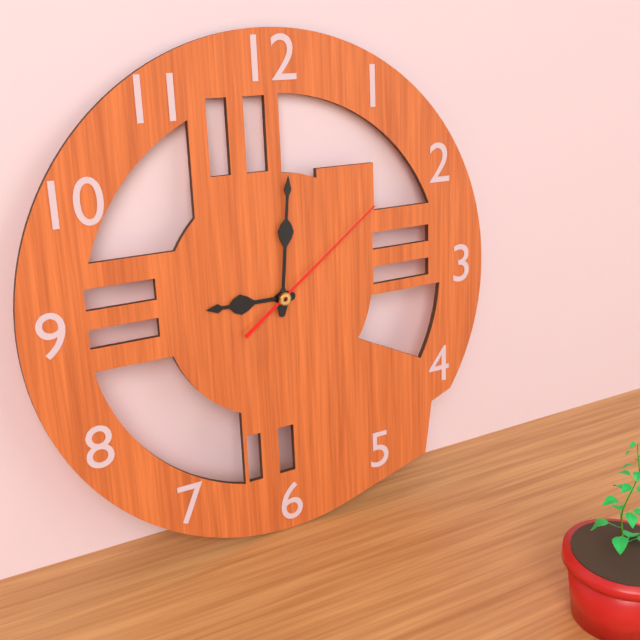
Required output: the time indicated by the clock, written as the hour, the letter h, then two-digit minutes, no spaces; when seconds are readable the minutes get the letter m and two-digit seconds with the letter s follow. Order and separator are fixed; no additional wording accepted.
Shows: 9h01m09s
